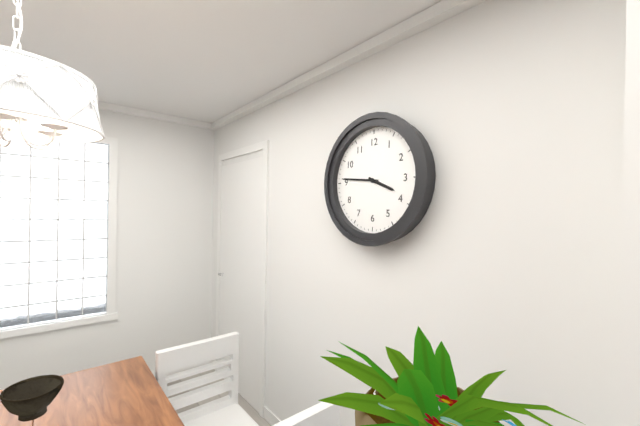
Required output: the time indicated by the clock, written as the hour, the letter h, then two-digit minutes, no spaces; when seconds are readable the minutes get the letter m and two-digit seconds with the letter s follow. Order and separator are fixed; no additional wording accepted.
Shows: 3h46
